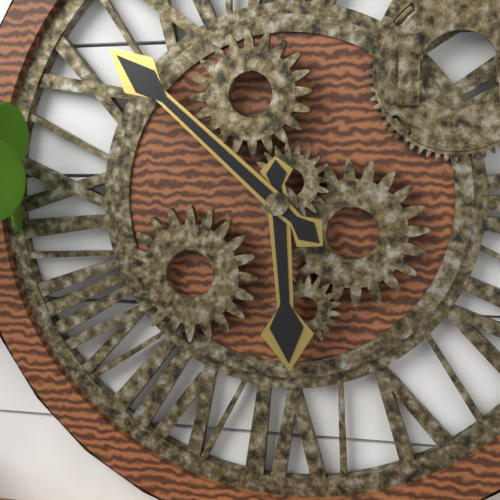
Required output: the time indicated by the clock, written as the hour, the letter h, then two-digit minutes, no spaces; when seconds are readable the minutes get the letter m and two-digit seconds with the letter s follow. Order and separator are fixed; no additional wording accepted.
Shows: 5h52
